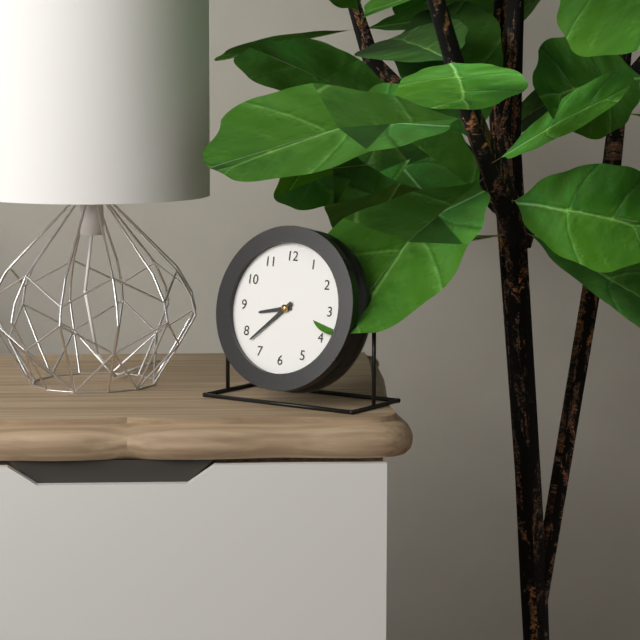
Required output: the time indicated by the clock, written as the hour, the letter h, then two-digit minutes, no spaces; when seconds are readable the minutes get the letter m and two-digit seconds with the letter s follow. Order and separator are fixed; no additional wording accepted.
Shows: 8h38
